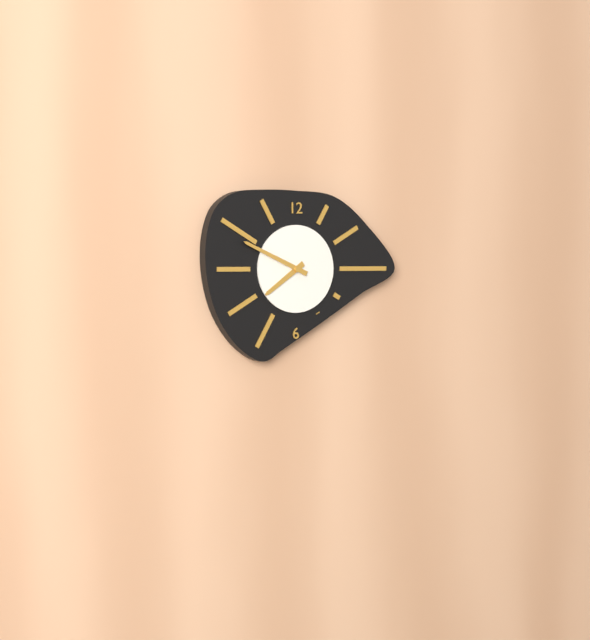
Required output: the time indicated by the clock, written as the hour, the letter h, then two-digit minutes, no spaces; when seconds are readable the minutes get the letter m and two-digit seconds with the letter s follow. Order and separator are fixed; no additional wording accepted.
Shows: 7h49
